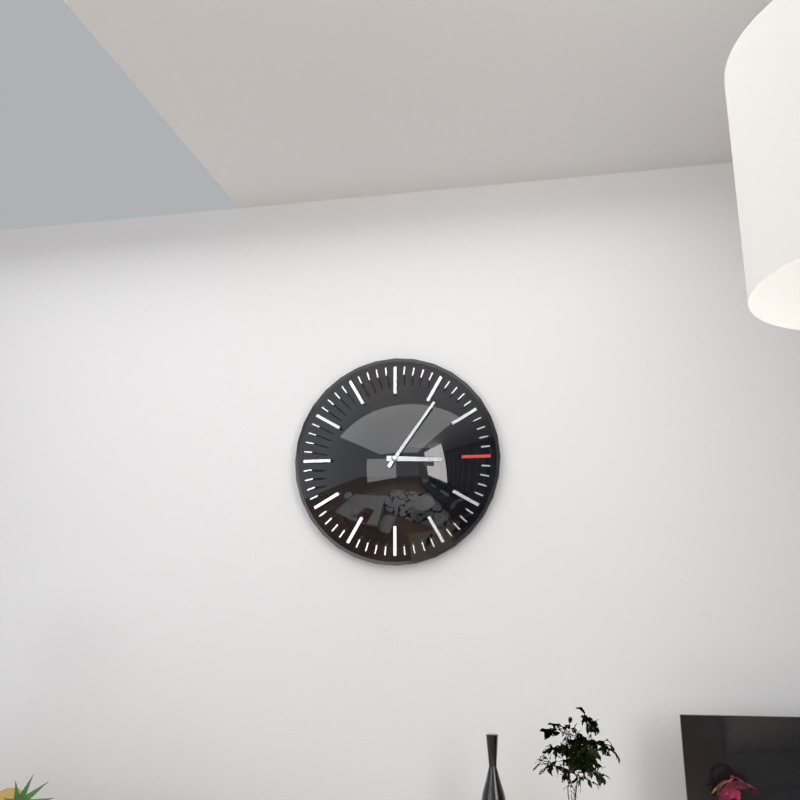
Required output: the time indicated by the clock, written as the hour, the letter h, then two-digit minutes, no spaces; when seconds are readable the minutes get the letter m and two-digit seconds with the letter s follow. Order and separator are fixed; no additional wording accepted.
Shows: 3h06
